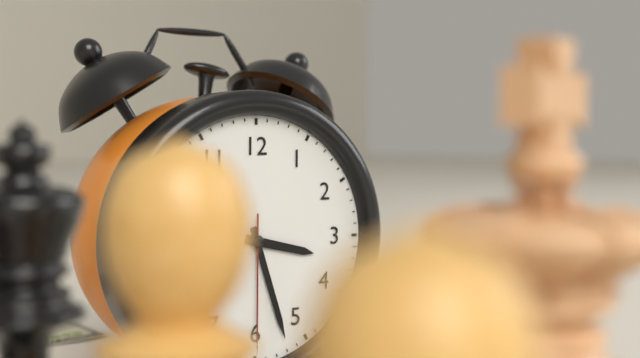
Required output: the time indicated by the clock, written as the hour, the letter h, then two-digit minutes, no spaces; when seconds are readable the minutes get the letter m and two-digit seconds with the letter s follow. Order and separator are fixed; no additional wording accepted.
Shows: 3h27m30s
